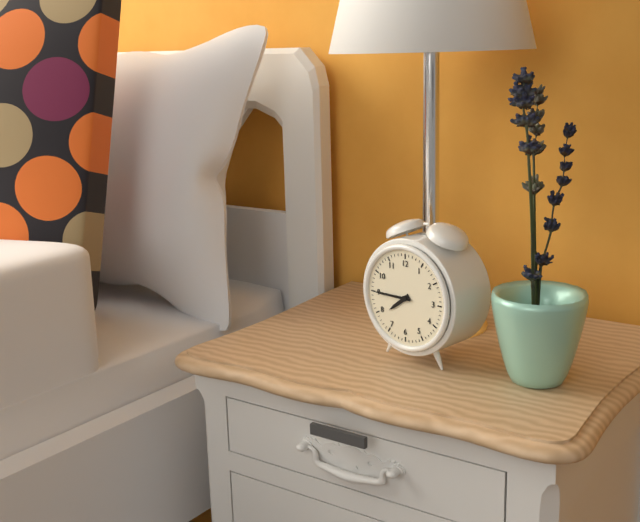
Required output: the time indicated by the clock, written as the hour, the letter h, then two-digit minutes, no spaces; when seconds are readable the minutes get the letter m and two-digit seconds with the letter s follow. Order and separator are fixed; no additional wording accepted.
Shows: 7h45
